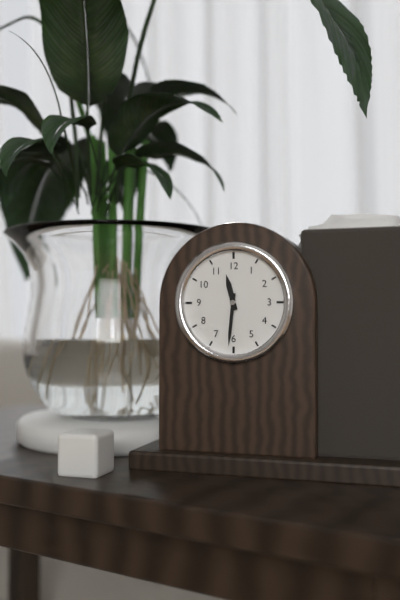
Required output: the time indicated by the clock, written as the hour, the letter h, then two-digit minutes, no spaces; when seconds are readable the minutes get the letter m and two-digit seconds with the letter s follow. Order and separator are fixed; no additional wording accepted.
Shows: 11h31
